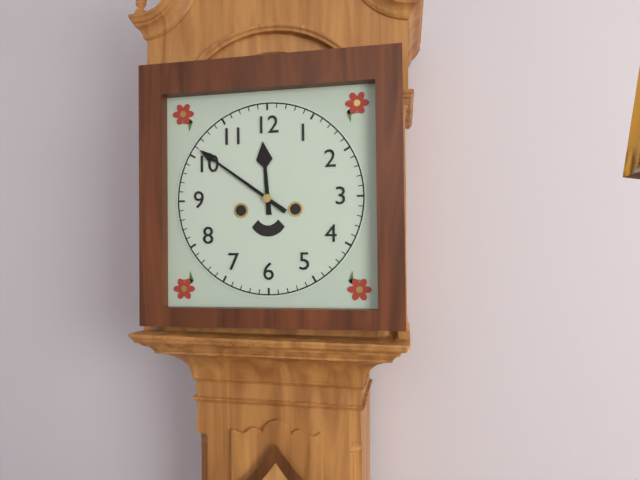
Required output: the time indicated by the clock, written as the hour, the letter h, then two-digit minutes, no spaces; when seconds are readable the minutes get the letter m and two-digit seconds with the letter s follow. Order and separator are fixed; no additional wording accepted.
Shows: 11h51
